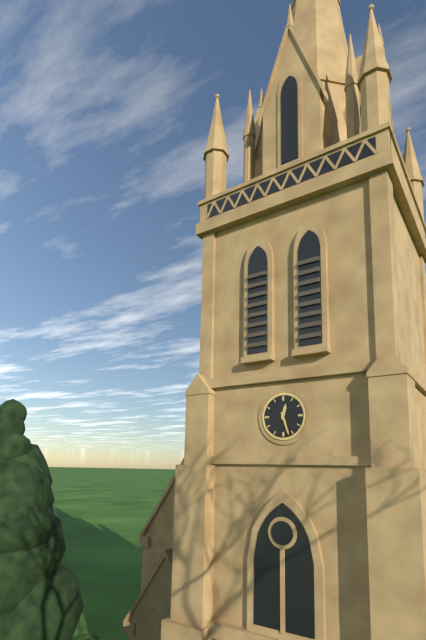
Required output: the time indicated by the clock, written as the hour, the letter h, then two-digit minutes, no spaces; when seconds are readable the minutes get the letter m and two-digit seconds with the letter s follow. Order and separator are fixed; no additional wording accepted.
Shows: 12h27
